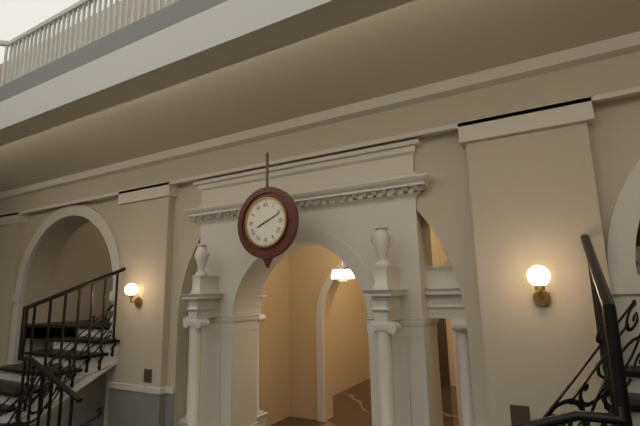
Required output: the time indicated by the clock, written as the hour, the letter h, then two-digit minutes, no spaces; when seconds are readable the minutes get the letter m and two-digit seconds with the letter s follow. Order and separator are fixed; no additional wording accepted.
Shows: 8h11
